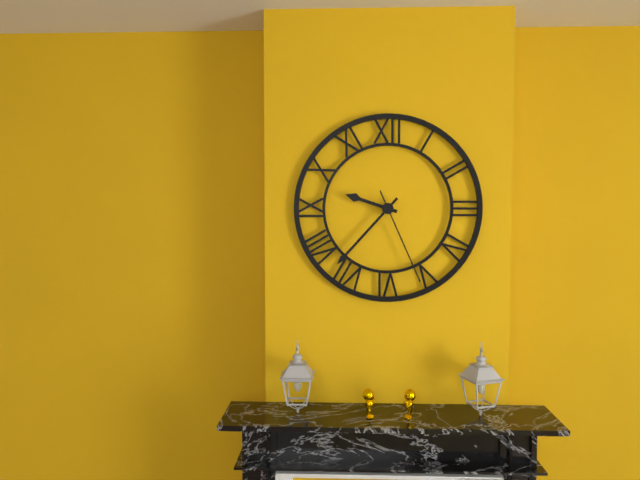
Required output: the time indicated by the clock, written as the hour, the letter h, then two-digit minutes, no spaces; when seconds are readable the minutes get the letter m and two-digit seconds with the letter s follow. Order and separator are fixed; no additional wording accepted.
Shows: 9h37m26s
